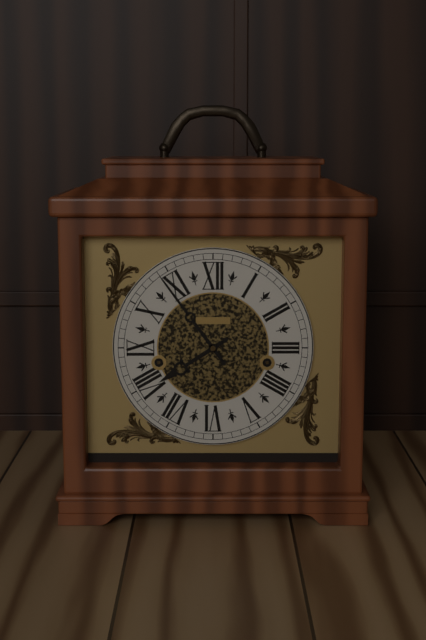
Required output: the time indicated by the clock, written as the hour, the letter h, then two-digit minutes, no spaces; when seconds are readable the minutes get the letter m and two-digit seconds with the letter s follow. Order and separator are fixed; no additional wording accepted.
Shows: 7h54
